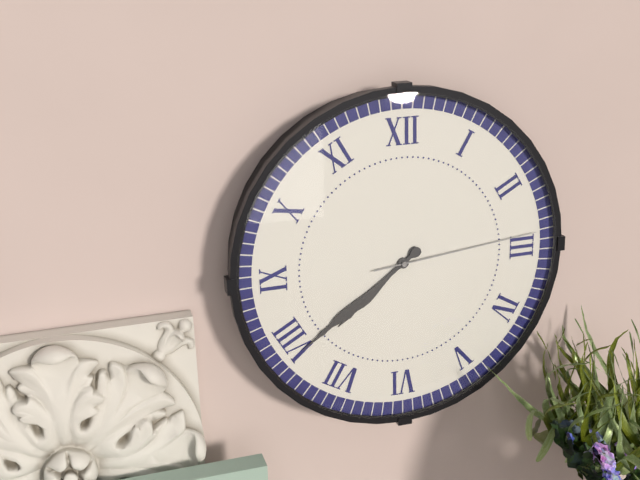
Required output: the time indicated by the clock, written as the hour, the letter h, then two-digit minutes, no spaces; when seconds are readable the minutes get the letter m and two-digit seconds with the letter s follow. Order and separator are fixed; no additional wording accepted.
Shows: 7h39m14s
